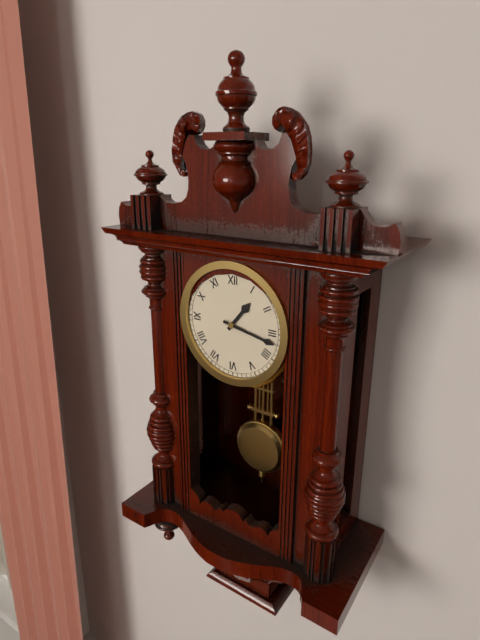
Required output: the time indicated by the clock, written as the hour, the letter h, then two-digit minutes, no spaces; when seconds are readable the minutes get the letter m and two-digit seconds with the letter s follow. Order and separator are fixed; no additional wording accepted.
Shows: 1h17
